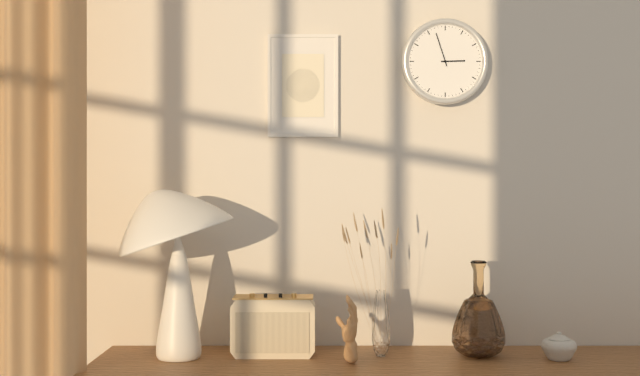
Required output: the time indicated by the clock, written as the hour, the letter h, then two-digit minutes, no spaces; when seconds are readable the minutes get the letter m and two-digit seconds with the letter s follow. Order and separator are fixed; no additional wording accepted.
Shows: 2h57
